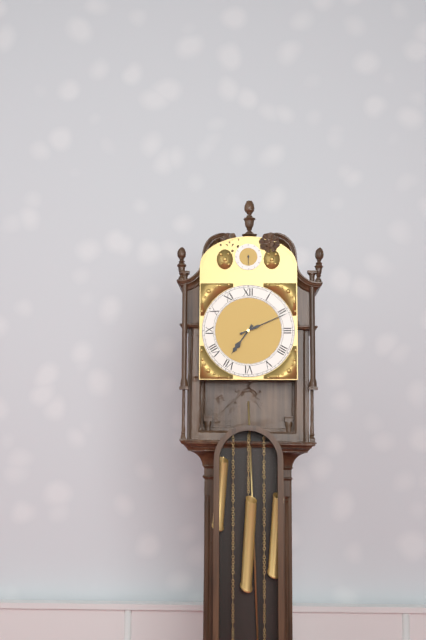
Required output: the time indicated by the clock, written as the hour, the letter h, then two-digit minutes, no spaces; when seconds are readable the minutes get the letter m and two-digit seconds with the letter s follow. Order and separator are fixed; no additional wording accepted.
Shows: 7h11
